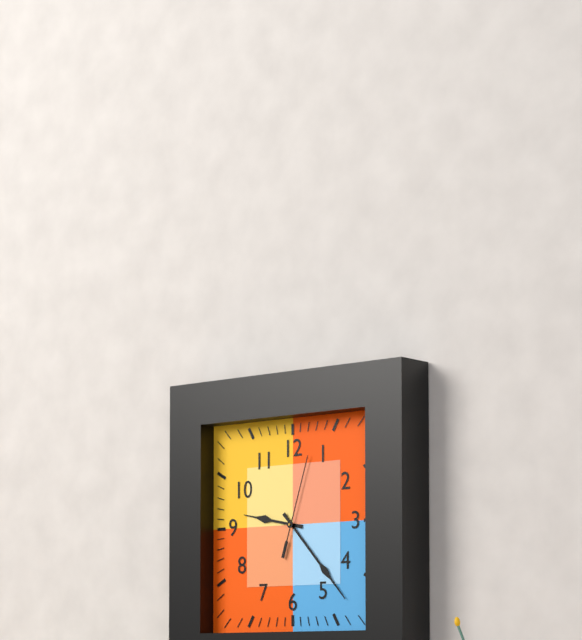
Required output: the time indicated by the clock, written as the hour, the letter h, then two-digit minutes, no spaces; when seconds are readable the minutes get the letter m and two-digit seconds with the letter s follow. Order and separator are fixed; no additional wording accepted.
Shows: 9h23m03s
